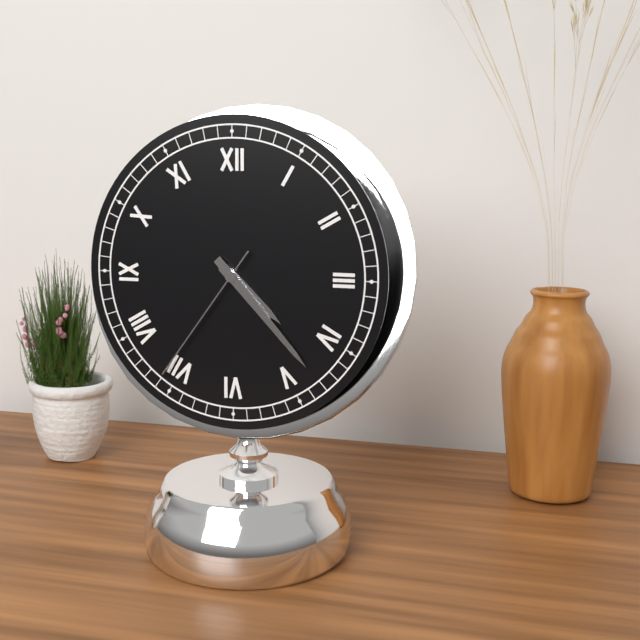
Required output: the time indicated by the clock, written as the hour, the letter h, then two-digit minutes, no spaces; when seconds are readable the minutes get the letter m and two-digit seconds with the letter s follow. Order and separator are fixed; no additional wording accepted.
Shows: 4h23m36s
